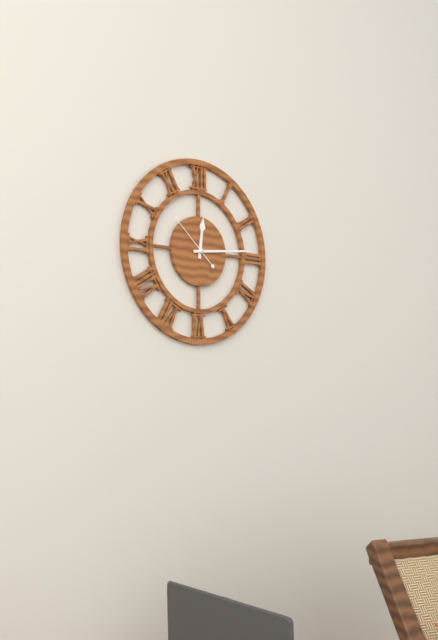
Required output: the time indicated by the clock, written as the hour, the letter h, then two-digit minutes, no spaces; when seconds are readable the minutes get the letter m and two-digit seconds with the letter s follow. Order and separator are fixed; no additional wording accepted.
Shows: 12h14m52s
